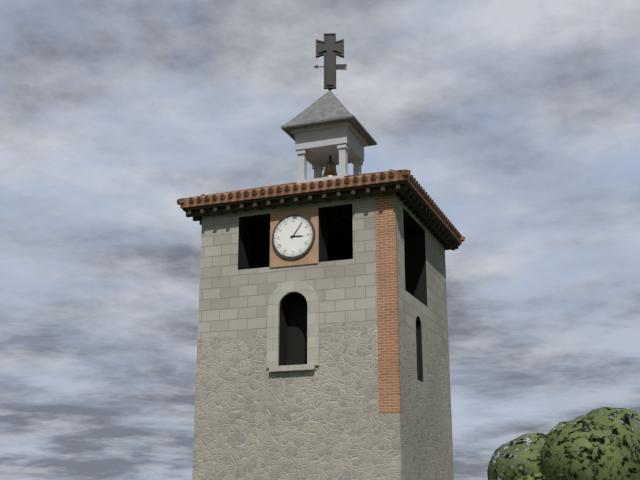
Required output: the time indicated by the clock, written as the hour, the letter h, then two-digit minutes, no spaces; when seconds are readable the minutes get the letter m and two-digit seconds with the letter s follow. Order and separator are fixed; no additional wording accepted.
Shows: 3h06
